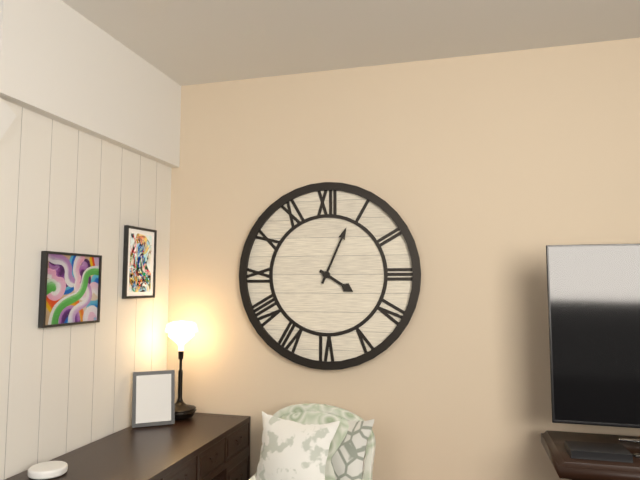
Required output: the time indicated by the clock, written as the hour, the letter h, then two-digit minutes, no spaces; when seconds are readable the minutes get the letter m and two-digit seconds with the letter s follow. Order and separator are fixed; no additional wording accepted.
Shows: 4h04
